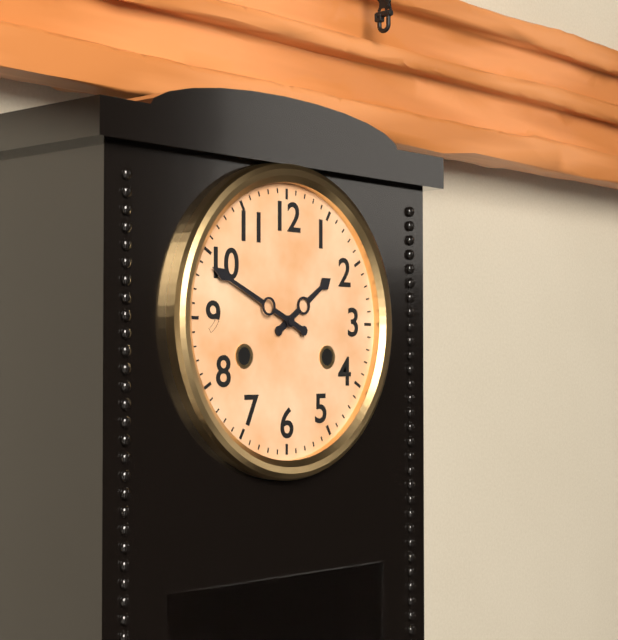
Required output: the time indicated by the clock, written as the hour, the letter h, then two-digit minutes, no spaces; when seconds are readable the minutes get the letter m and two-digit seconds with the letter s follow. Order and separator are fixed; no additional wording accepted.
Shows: 1h49
